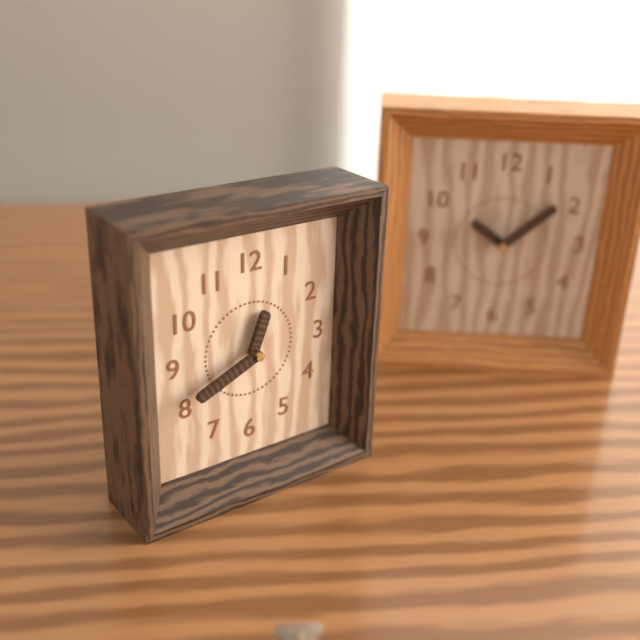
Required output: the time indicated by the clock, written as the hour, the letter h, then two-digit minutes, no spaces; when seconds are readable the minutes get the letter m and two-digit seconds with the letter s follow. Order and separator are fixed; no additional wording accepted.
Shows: 12h41
